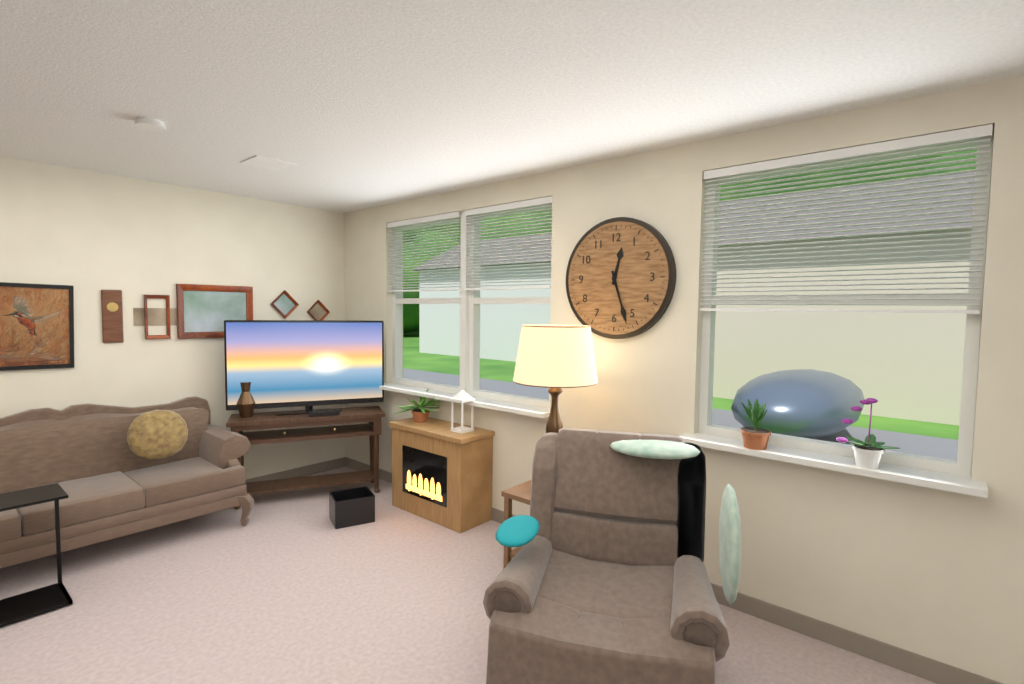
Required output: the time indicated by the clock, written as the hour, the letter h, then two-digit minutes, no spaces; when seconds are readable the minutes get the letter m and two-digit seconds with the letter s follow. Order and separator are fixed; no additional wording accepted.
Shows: 12h27
